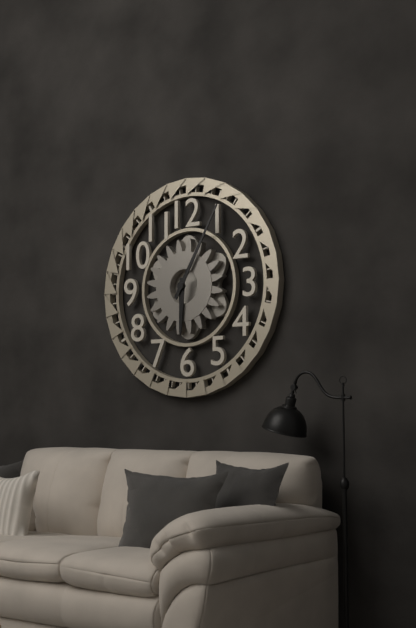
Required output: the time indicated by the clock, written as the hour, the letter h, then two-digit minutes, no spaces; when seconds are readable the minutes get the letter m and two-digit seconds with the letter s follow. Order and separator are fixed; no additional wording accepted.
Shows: 6h05
